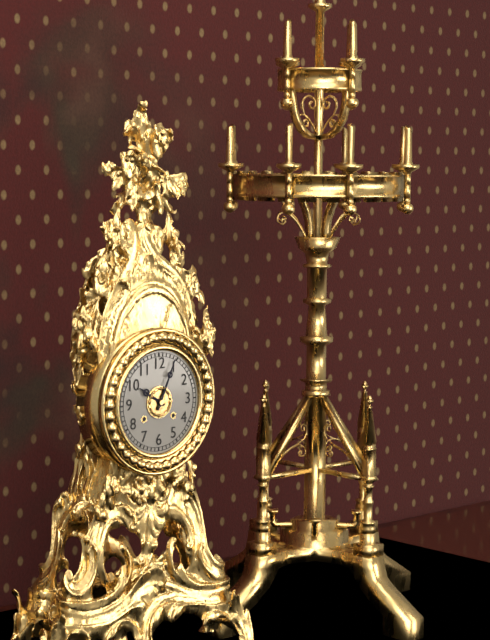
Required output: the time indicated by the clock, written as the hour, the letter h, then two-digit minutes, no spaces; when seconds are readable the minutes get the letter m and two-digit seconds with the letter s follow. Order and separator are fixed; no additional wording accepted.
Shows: 10h04
